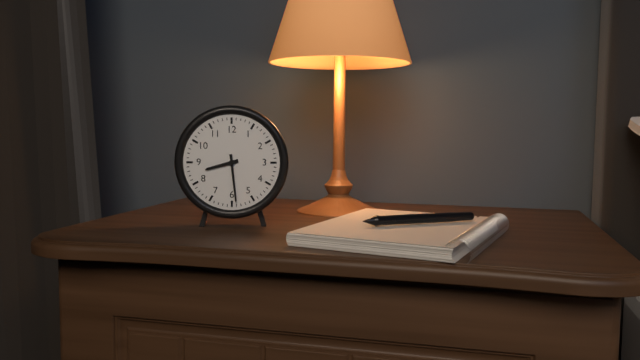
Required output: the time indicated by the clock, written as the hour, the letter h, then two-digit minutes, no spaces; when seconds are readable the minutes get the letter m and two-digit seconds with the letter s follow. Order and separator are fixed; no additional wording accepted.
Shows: 8h29
